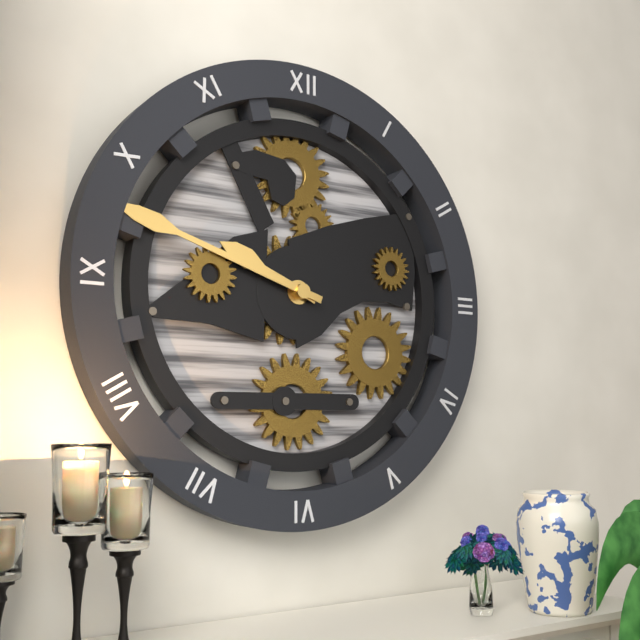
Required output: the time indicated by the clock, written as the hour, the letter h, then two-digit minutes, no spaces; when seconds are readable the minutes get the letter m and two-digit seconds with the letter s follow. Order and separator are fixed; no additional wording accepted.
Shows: 9h48
